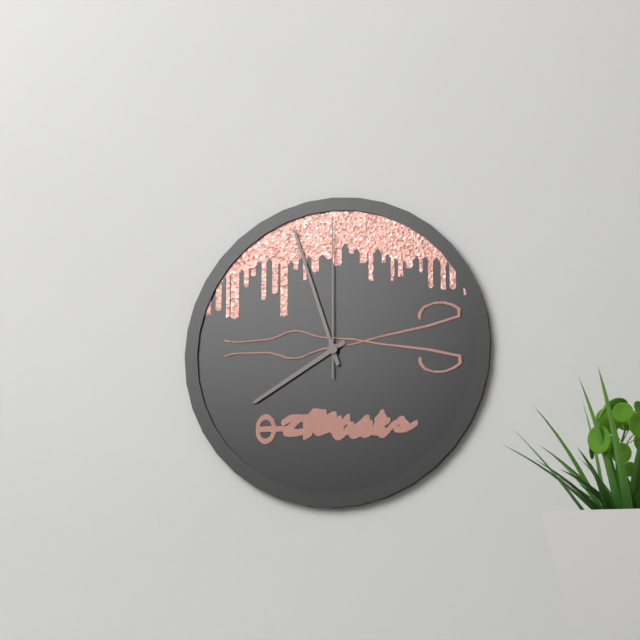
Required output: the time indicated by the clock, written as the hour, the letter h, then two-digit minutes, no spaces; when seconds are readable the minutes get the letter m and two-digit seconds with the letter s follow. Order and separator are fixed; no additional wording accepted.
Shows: 7h57m00s
